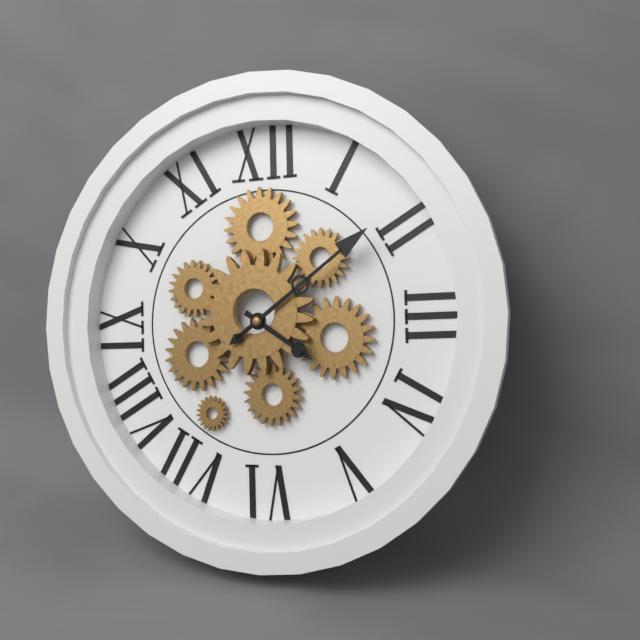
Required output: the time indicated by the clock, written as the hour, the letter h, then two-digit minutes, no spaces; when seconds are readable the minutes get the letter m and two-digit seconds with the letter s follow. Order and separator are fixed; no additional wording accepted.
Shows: 4h09
